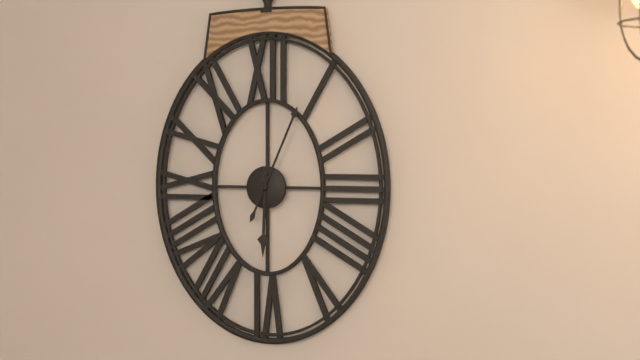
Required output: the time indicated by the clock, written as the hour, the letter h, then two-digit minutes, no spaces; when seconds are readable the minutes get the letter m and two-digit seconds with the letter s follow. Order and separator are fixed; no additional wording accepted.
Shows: 6h04
